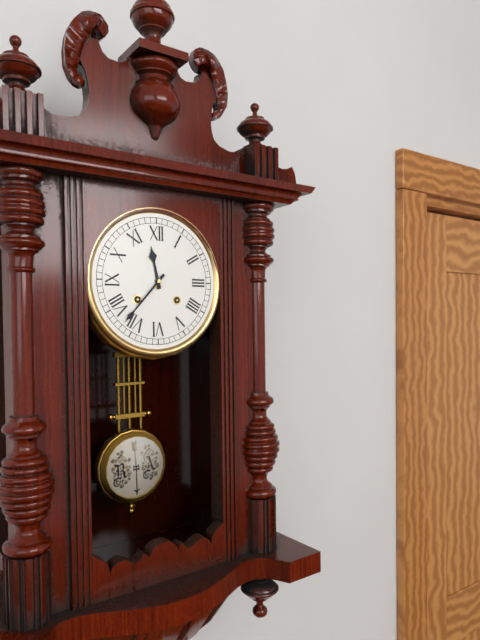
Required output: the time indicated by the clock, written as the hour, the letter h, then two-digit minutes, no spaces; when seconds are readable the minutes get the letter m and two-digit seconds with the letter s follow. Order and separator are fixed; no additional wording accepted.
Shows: 11h37
